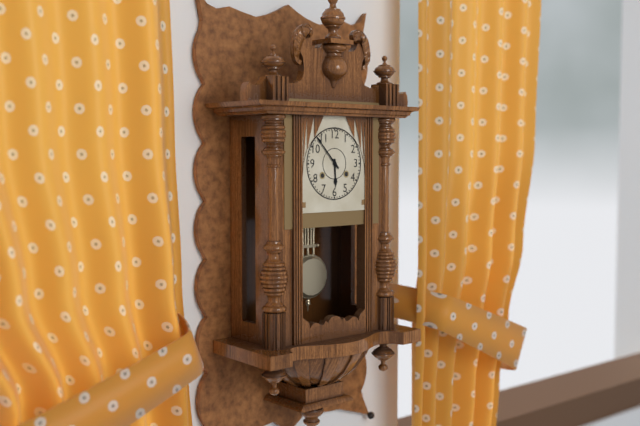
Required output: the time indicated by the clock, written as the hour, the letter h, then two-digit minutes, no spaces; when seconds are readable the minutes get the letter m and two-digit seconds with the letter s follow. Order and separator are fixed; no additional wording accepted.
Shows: 5h53
